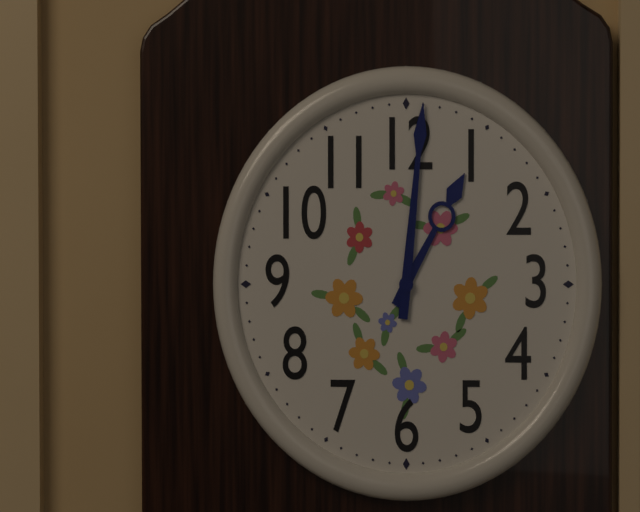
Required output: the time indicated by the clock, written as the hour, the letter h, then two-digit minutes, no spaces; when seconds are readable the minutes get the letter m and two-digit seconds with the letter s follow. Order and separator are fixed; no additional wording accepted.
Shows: 1h01
